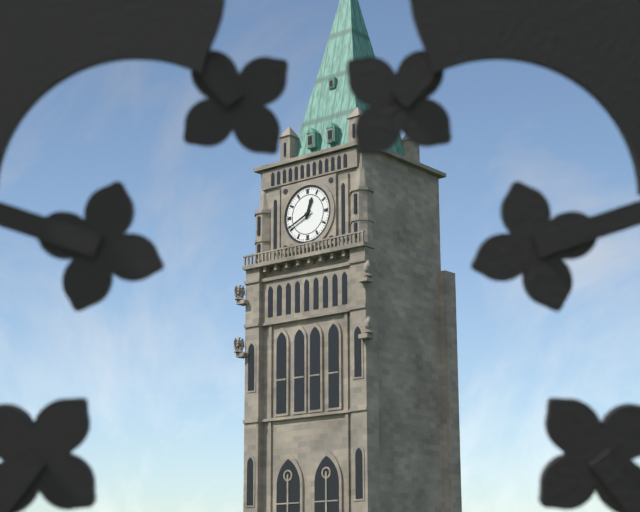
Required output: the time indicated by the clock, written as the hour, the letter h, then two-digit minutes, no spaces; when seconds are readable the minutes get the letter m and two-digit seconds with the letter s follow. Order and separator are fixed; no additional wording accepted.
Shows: 12h41
